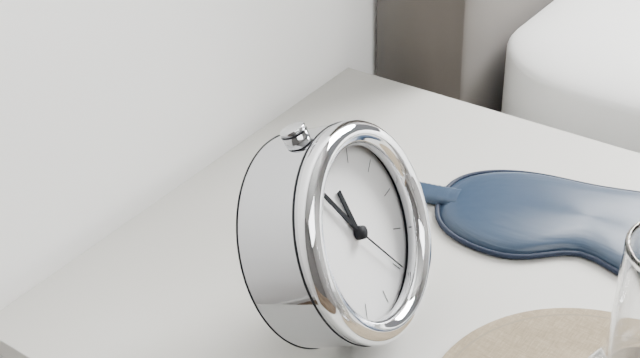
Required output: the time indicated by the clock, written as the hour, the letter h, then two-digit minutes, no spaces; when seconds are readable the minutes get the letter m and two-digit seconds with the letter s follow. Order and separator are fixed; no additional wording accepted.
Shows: 11h56m25s
